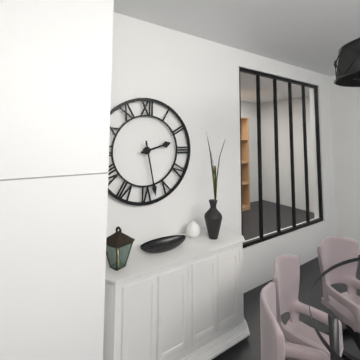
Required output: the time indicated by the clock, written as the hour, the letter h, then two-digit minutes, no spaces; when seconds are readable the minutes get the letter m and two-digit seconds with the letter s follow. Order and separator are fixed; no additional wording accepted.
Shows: 2h28
